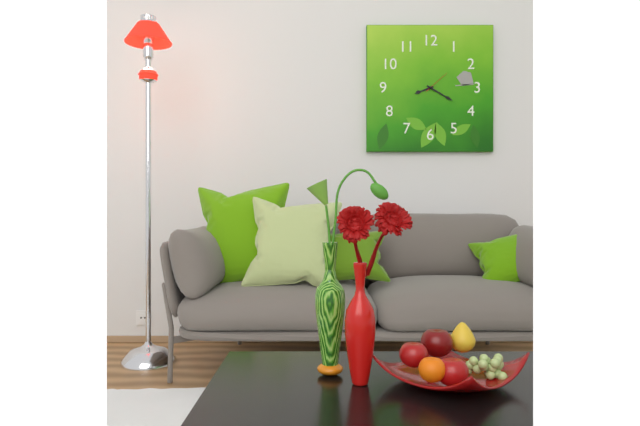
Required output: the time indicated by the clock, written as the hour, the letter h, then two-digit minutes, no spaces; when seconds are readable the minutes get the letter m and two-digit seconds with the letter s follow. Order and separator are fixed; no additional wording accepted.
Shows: 8h20
